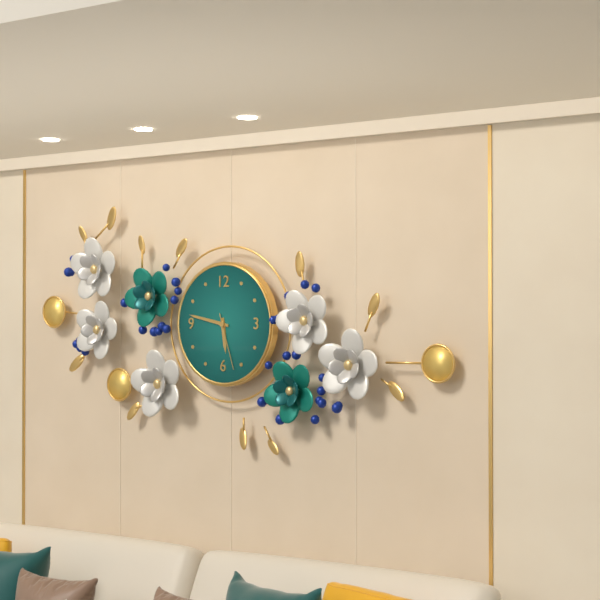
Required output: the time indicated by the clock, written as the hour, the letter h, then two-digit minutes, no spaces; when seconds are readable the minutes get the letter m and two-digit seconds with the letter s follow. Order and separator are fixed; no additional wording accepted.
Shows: 5h47m27s
